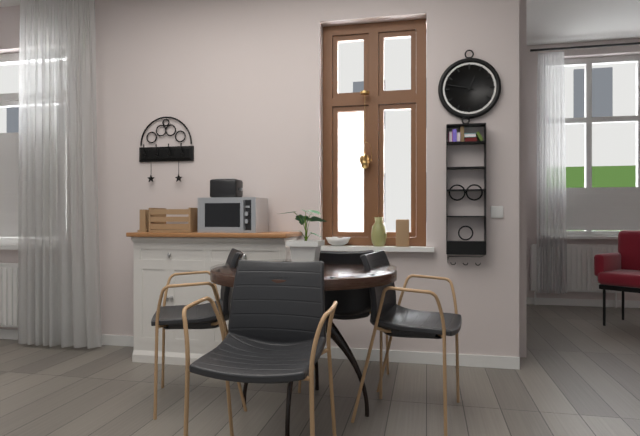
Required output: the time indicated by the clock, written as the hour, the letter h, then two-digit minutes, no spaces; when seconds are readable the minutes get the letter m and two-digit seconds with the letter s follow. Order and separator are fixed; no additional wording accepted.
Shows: 12h47
